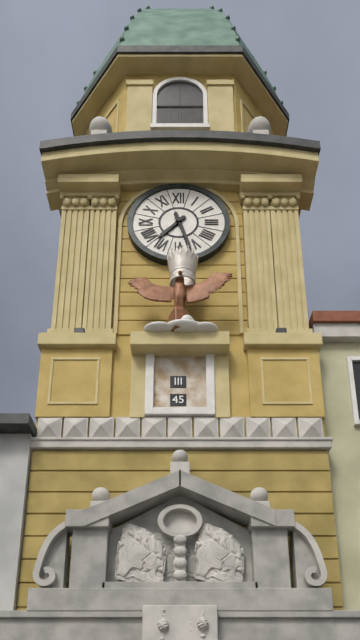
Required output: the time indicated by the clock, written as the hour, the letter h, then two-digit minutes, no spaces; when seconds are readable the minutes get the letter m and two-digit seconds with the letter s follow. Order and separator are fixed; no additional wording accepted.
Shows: 7h27
